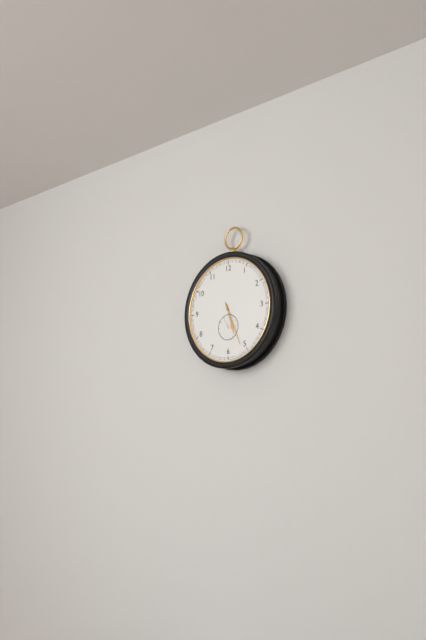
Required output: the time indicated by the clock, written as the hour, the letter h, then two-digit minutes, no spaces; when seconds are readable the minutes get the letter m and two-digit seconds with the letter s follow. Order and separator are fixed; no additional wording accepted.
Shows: 5h26
